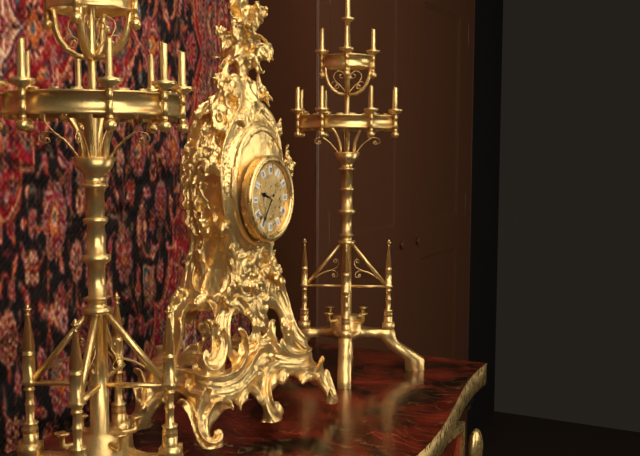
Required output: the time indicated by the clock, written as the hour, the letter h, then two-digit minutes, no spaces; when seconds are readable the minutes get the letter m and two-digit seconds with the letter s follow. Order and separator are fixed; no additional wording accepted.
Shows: 9h36
